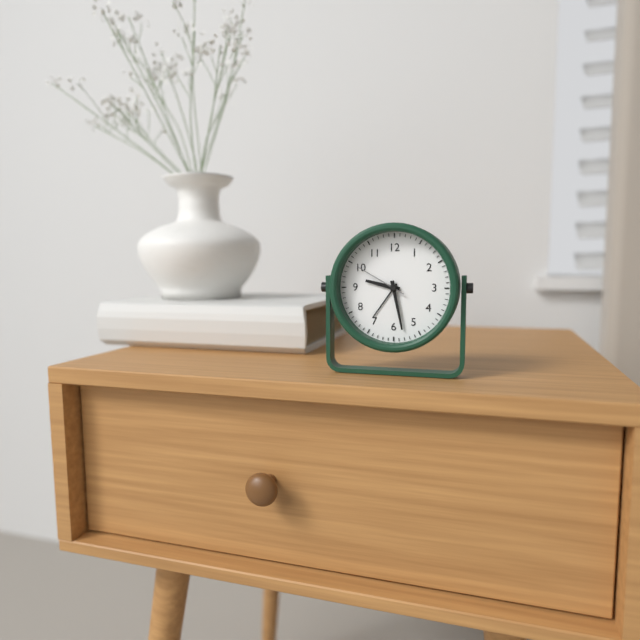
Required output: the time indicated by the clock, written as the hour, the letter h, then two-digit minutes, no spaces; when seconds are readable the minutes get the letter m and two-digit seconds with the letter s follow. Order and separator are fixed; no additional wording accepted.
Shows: 9h28m50s
